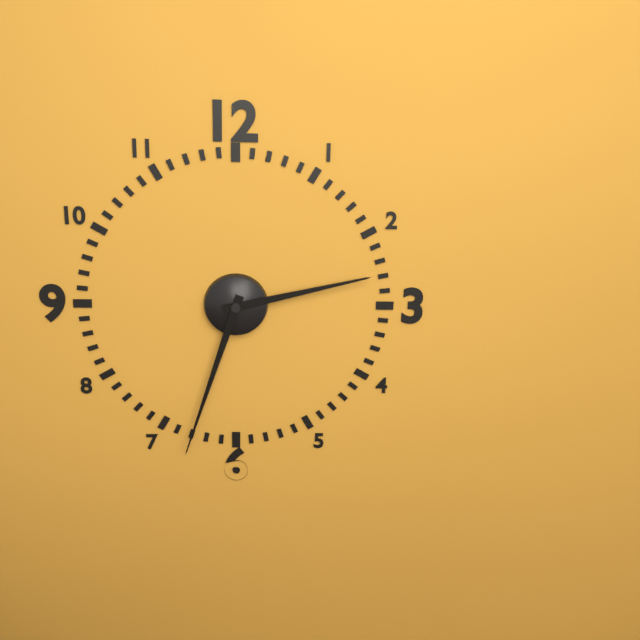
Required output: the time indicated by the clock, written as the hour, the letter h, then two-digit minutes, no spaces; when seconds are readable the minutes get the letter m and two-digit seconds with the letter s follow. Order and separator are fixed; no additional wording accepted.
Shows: 2h33
